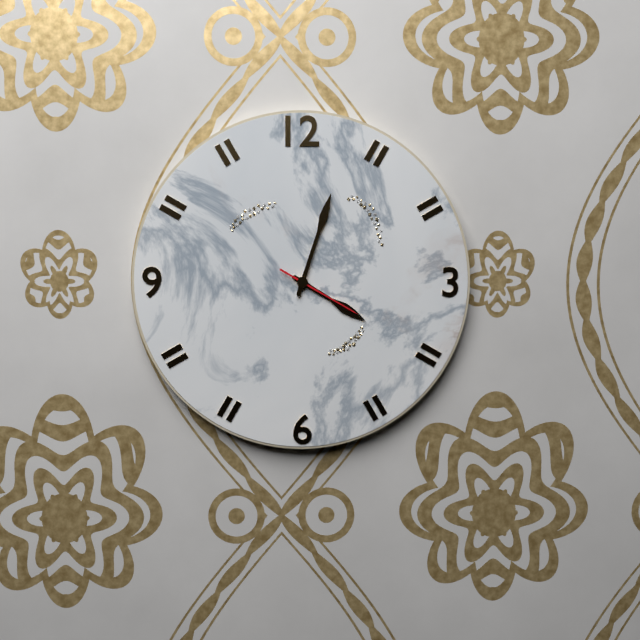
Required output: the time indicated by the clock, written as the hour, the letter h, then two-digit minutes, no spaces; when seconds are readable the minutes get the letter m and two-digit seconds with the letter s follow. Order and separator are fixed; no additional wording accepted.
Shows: 4h03m20s
